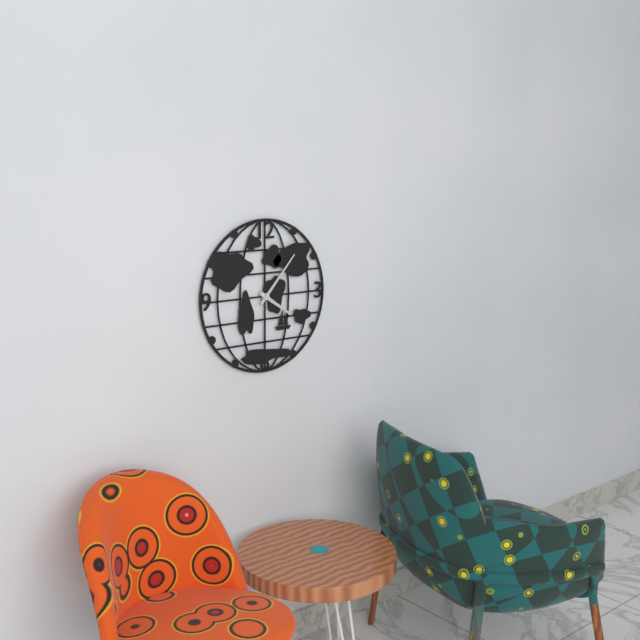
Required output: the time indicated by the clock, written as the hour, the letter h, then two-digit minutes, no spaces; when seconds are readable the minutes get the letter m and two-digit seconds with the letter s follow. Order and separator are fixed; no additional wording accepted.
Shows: 4h07
